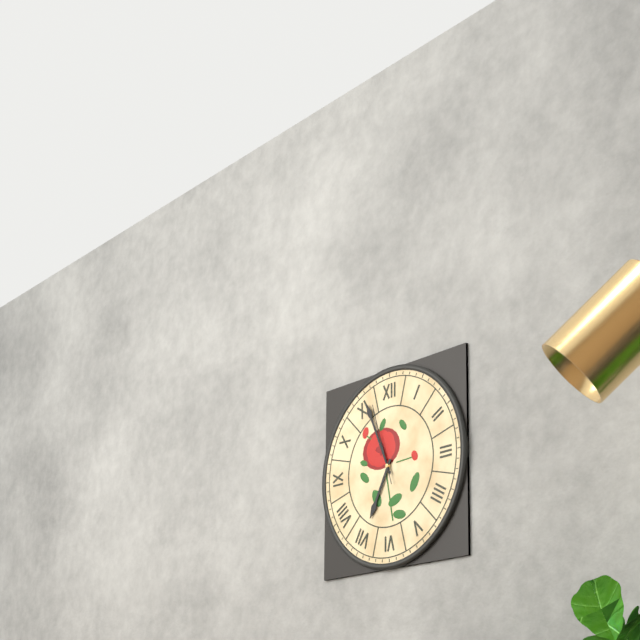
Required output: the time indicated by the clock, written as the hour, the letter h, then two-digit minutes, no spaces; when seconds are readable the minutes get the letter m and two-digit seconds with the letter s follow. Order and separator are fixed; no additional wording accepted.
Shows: 6h56m57s
